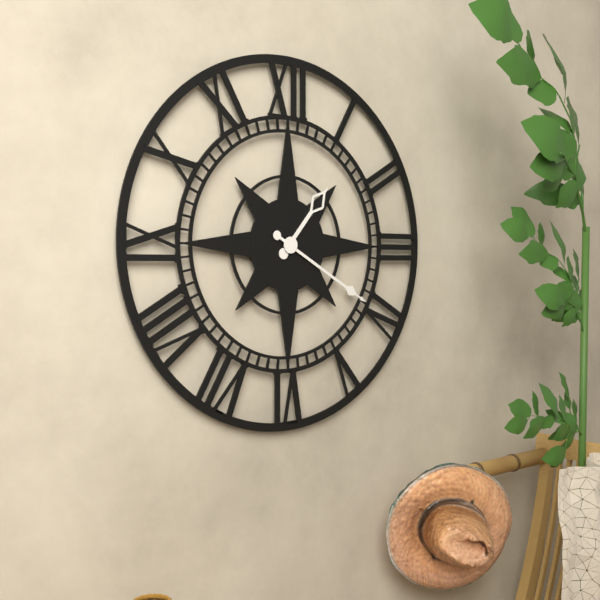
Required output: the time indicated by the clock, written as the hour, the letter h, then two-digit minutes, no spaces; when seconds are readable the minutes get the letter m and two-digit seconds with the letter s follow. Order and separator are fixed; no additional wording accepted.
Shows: 1h20
